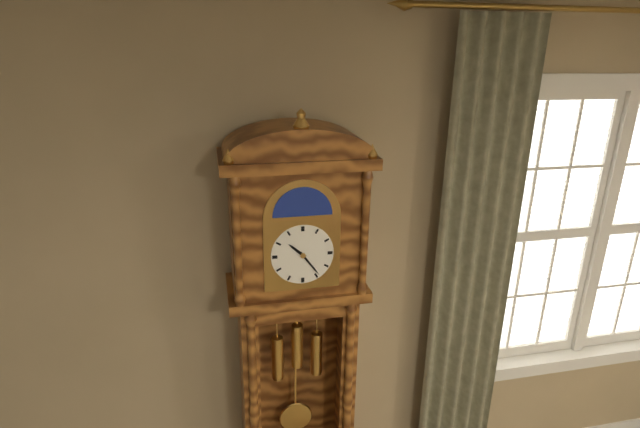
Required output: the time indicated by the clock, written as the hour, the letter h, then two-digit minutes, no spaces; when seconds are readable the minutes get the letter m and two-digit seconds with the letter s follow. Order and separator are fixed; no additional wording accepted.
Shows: 10h24
